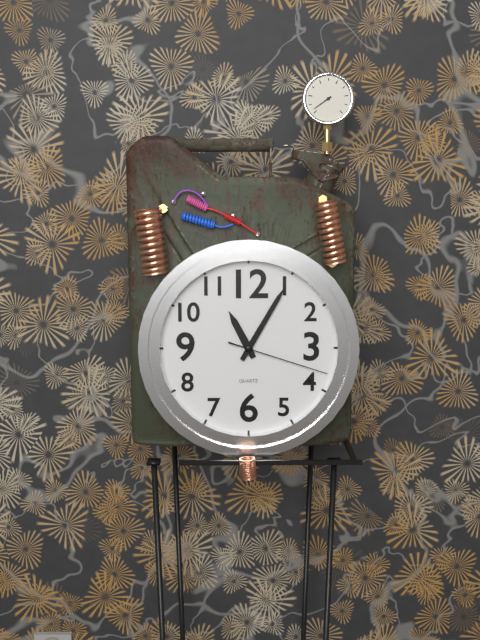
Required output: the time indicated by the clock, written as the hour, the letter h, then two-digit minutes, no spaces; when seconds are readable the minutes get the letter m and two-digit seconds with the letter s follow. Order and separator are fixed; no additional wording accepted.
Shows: 11h05m18s
